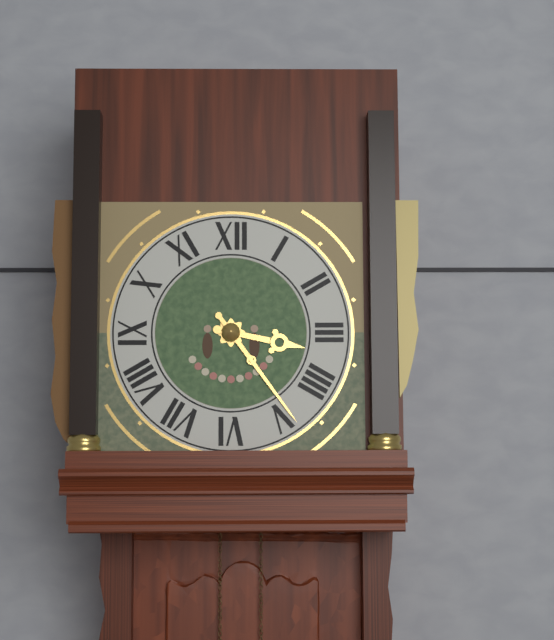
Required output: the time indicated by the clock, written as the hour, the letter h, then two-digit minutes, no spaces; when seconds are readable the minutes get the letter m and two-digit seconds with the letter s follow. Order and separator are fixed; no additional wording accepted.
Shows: 3h24
